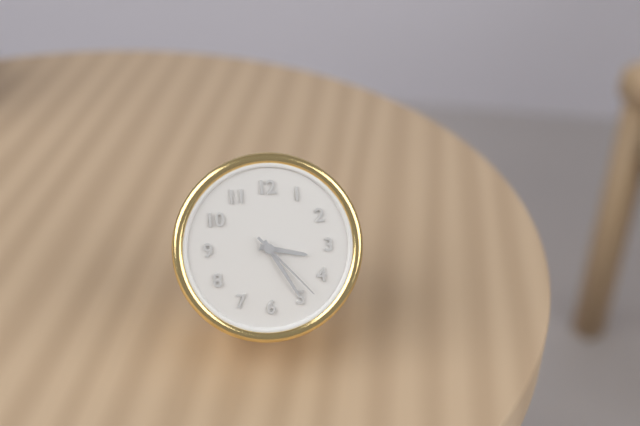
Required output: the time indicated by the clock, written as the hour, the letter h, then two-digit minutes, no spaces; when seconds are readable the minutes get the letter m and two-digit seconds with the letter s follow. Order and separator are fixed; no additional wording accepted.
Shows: 3h25m23s
